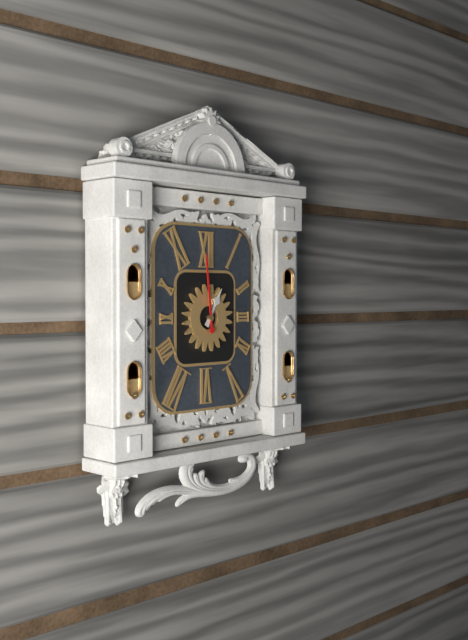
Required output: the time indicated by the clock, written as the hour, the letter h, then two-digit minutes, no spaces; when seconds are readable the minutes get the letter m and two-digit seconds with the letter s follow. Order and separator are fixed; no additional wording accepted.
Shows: 12h59
